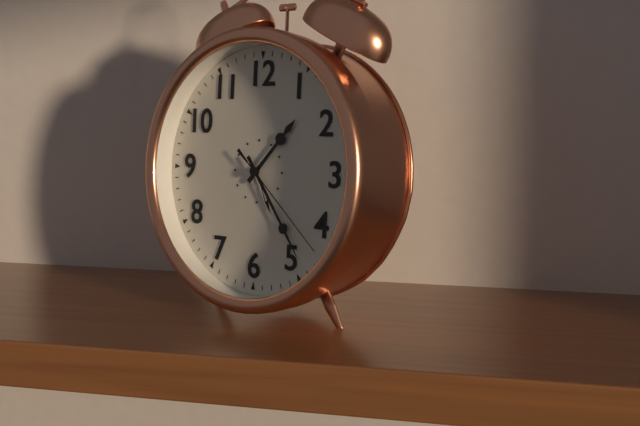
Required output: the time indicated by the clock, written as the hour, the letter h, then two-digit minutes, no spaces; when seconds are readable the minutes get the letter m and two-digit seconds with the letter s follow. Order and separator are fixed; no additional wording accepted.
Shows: 1h24m22s
